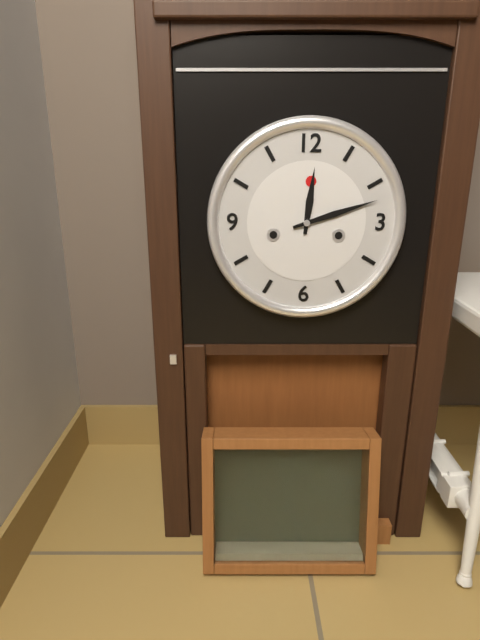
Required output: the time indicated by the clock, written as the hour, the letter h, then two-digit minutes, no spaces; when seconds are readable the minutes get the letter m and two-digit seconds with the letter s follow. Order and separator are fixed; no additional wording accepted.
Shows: 12h12
